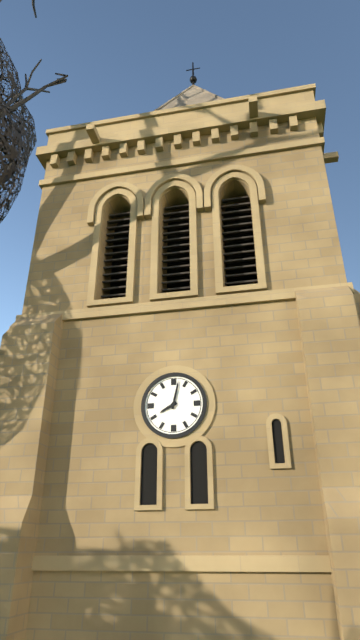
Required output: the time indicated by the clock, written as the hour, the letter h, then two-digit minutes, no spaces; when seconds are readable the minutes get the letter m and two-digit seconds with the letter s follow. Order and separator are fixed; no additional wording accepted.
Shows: 8h02
